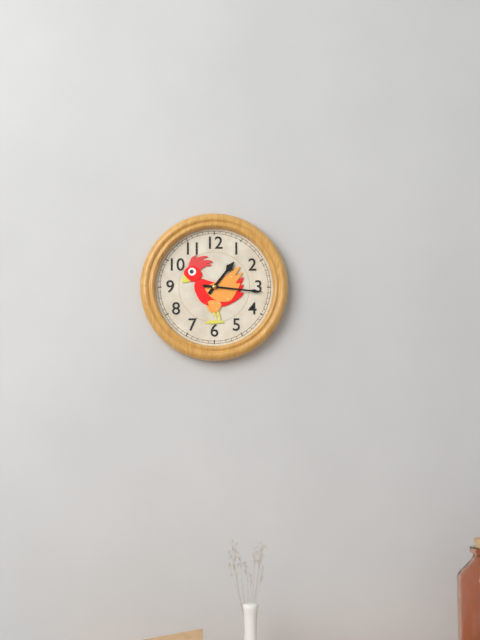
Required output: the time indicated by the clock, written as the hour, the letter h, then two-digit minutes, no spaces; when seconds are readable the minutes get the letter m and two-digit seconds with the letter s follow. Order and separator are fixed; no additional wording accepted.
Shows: 1h16
